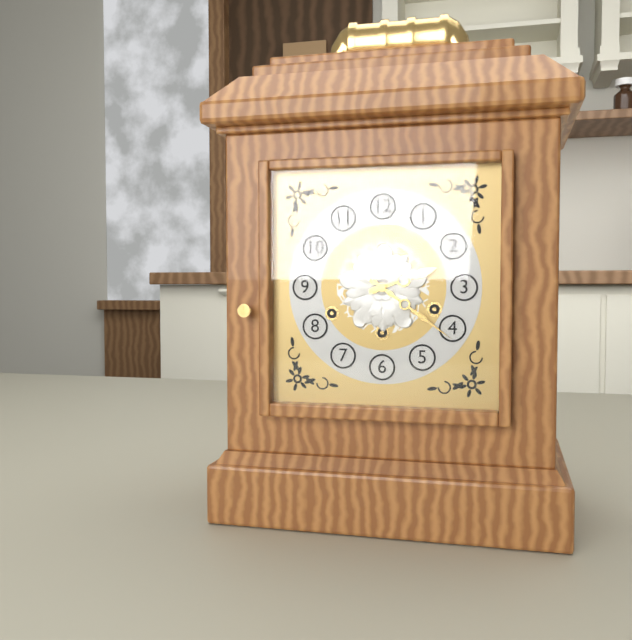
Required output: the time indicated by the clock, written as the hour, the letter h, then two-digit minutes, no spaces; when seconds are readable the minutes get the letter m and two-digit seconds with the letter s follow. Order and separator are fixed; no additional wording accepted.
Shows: 2h21
